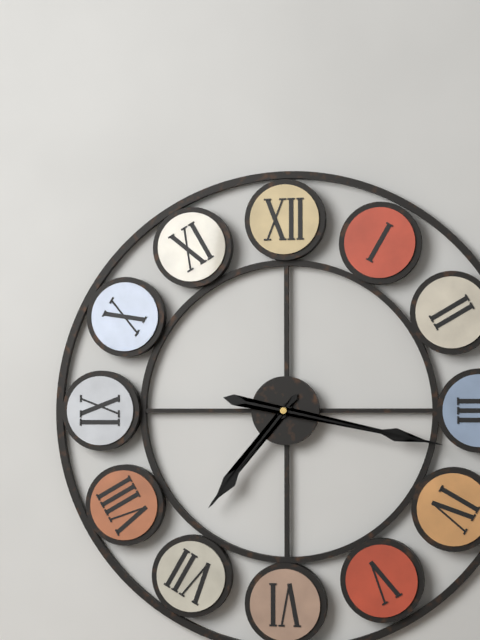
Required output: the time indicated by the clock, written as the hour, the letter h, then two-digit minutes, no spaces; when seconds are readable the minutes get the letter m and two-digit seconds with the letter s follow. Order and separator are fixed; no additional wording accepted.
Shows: 7h17
